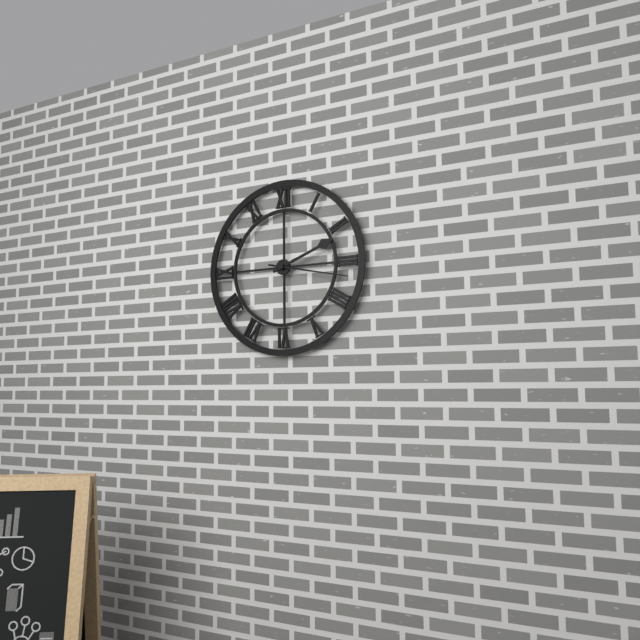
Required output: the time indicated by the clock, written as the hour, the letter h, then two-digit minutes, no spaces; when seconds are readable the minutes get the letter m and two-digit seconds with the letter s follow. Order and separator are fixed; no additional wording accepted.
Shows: 2h17
